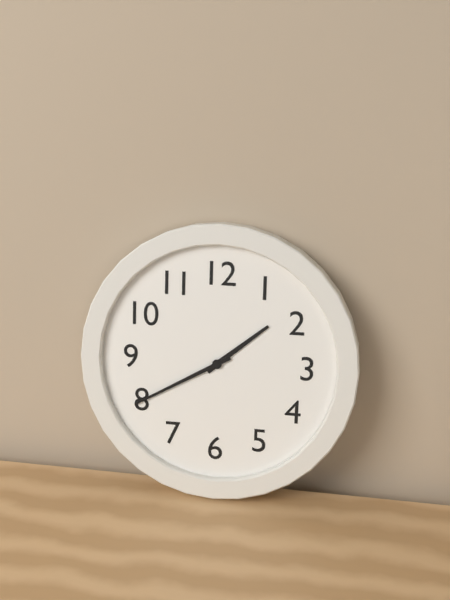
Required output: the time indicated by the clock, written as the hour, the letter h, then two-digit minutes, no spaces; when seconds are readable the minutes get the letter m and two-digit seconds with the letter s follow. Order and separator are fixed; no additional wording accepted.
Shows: 1h40
